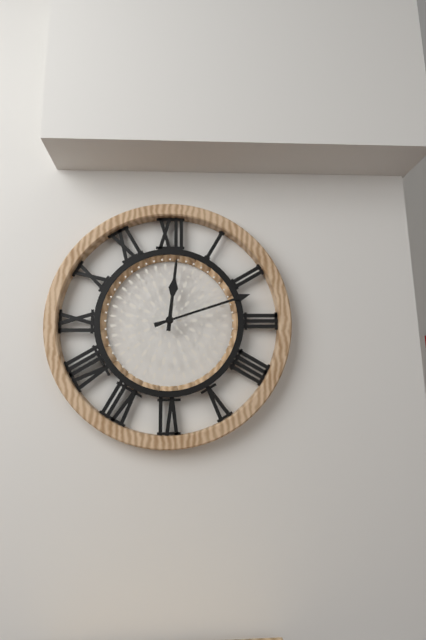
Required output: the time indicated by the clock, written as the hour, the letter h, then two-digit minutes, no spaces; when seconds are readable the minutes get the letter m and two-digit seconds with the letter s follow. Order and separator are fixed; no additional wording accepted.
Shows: 12h12
